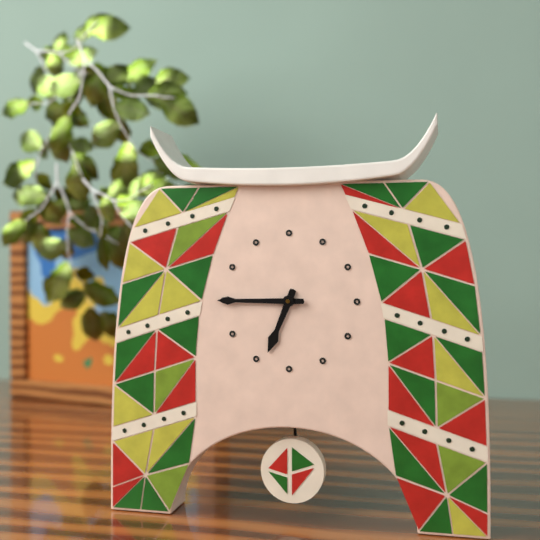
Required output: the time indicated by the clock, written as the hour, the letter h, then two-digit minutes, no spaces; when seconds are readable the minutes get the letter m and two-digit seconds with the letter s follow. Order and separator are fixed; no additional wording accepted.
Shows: 6h45
